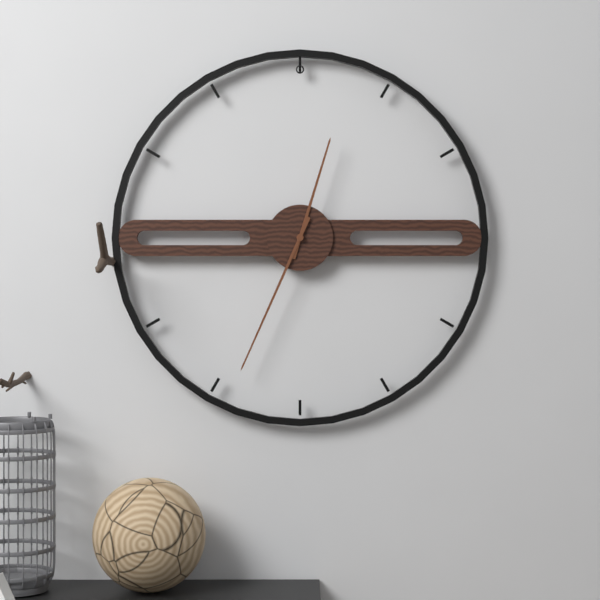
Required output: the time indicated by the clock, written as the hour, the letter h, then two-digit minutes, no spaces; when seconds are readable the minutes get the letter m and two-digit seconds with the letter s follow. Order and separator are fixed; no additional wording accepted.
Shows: 12h34
